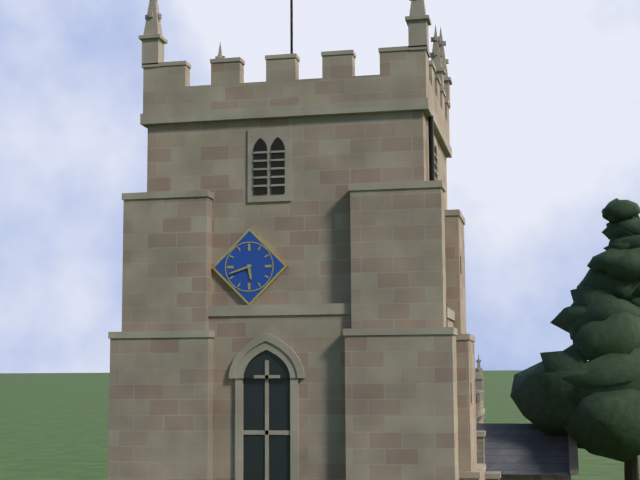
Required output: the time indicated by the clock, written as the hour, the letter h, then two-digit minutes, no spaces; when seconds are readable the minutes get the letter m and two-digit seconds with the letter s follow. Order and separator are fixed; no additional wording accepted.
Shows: 5h42
